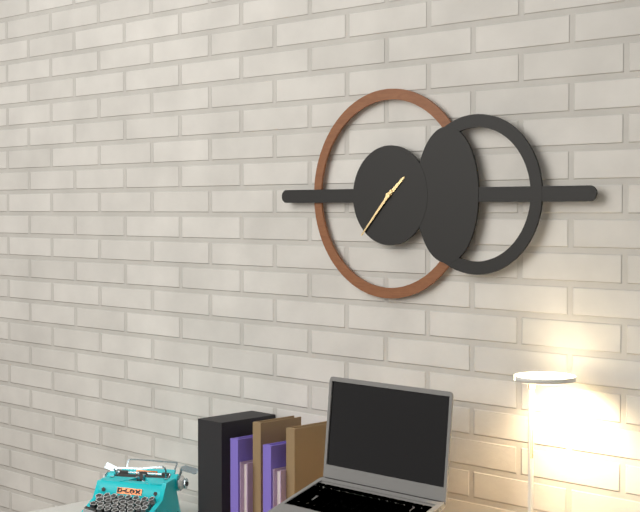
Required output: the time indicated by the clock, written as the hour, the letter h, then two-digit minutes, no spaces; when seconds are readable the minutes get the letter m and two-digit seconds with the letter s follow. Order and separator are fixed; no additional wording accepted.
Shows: 1h37
